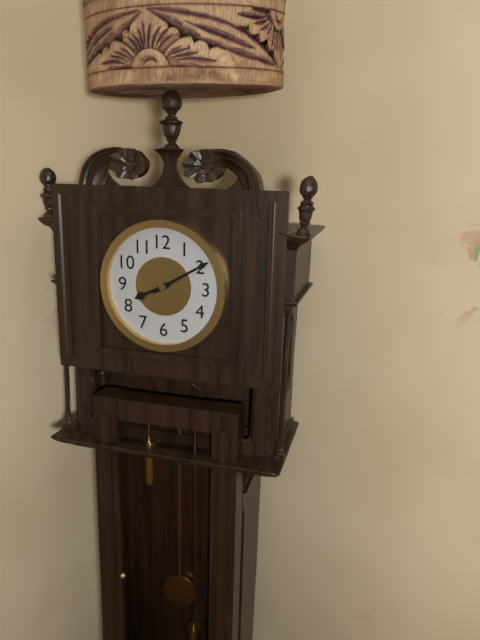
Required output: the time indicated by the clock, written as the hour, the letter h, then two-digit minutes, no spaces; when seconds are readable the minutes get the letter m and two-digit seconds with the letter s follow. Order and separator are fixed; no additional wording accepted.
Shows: 8h10
